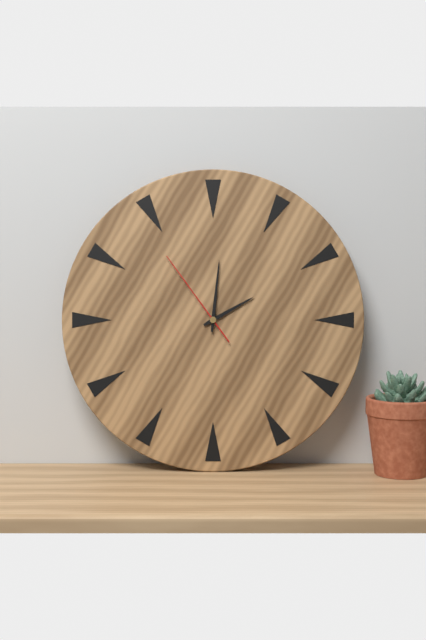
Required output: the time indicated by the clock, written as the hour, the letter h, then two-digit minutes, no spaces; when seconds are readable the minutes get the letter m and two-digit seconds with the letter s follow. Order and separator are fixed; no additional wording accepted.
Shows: 2h01m54s
